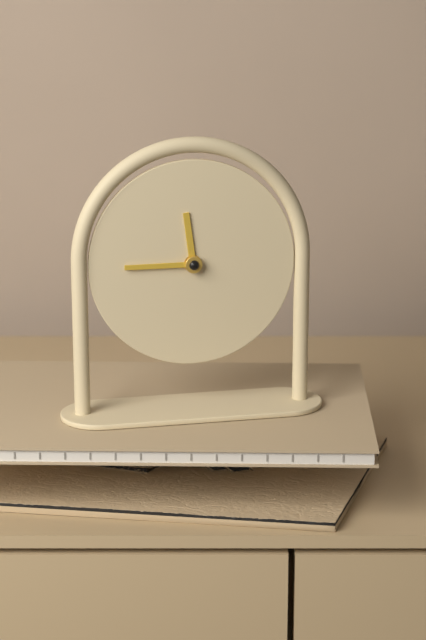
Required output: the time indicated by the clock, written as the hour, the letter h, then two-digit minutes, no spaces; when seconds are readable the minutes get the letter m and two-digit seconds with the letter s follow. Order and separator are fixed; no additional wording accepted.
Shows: 11h45
